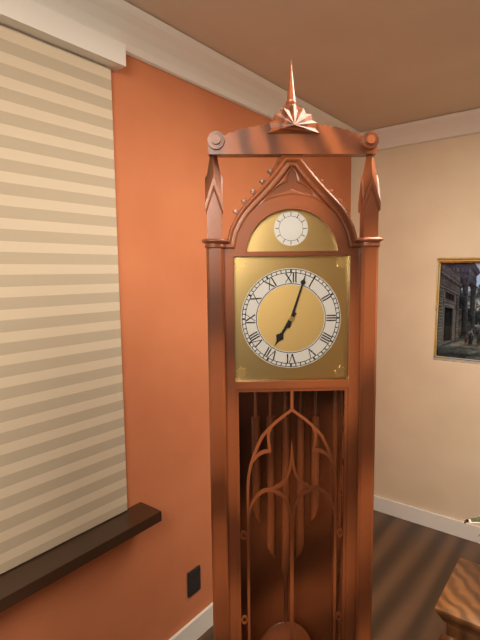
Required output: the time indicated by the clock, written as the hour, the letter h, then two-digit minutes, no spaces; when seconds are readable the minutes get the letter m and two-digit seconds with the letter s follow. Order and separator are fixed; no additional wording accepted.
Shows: 7h03
